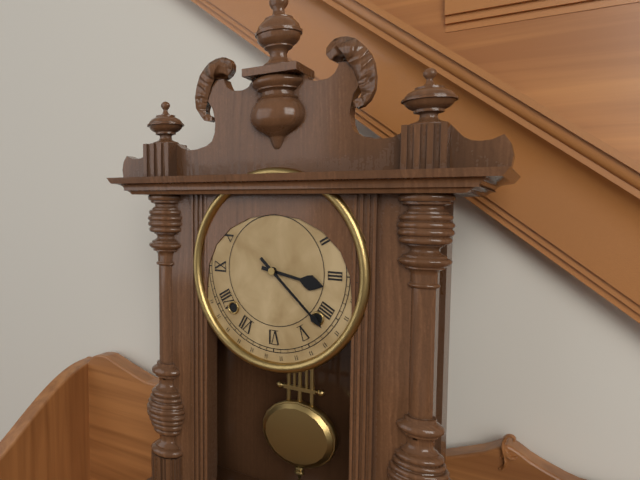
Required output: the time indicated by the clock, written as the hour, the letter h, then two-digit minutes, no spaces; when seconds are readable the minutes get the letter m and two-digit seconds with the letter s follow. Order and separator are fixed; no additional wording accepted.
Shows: 3h22
